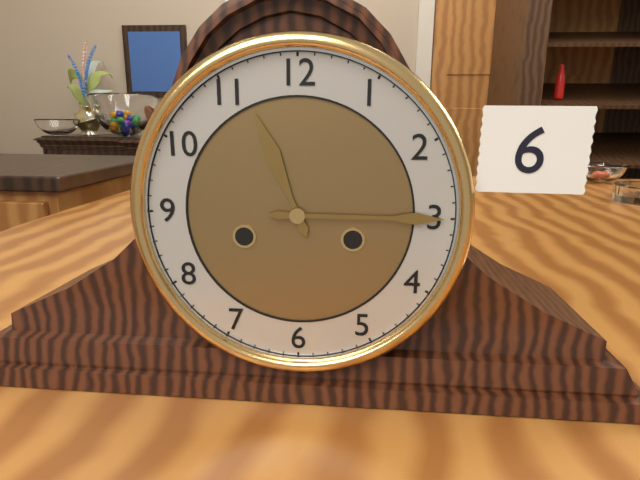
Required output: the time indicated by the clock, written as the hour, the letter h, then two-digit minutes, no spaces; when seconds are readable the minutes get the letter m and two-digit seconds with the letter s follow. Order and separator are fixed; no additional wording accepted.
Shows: 11h15
